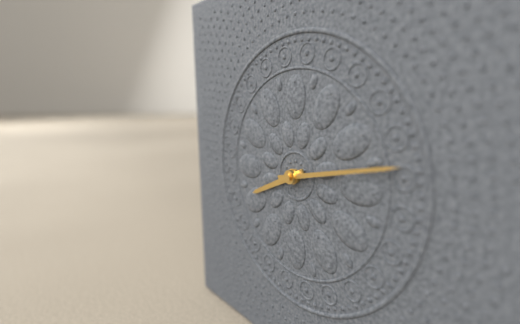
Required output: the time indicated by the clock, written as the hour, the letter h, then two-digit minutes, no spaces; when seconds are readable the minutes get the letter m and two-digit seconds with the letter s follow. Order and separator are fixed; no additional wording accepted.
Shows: 8h13
